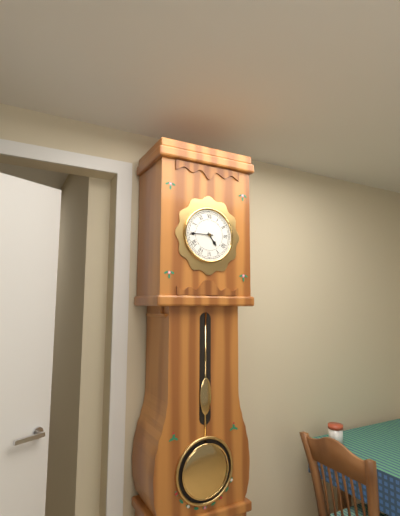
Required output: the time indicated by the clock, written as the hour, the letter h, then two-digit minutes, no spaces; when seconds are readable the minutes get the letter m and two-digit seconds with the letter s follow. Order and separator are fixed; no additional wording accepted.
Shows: 4h45
